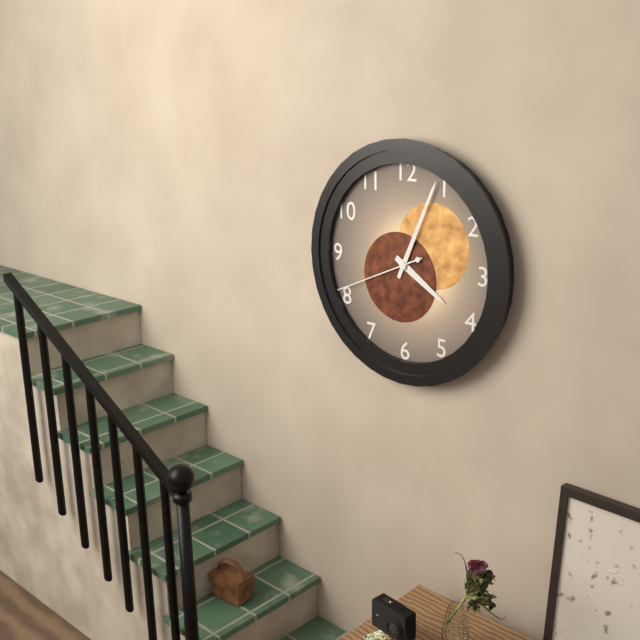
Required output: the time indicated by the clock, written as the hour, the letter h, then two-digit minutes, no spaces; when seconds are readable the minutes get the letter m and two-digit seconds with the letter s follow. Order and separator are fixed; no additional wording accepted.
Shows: 4h04m41s
